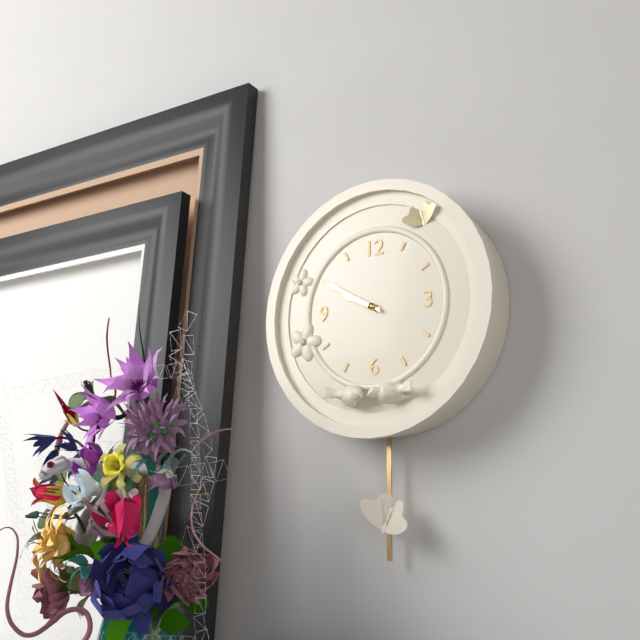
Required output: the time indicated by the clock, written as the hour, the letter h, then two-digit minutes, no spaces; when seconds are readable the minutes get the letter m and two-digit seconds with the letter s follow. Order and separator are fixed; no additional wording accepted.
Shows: 9h50
